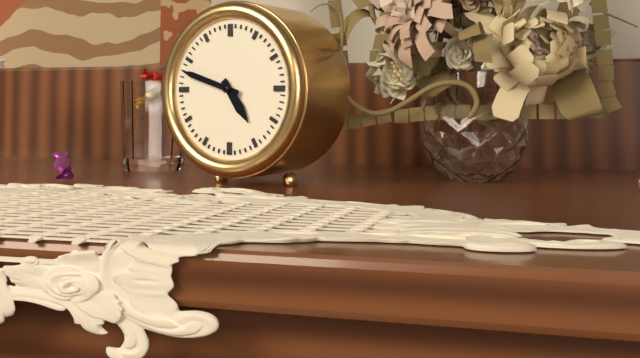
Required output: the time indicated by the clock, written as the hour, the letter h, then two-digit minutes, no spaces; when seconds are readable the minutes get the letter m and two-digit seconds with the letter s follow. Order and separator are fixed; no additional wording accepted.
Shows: 4h48
